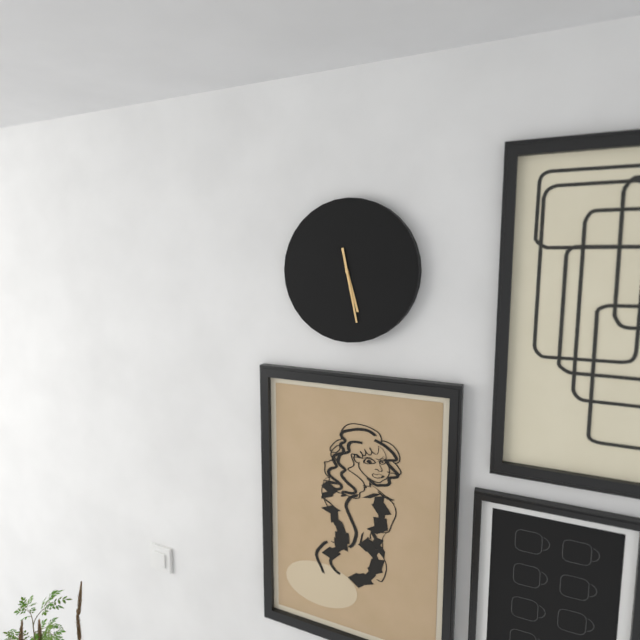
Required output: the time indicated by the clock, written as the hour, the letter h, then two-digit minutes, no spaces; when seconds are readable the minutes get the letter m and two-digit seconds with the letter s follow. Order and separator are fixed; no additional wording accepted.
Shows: 5h28
